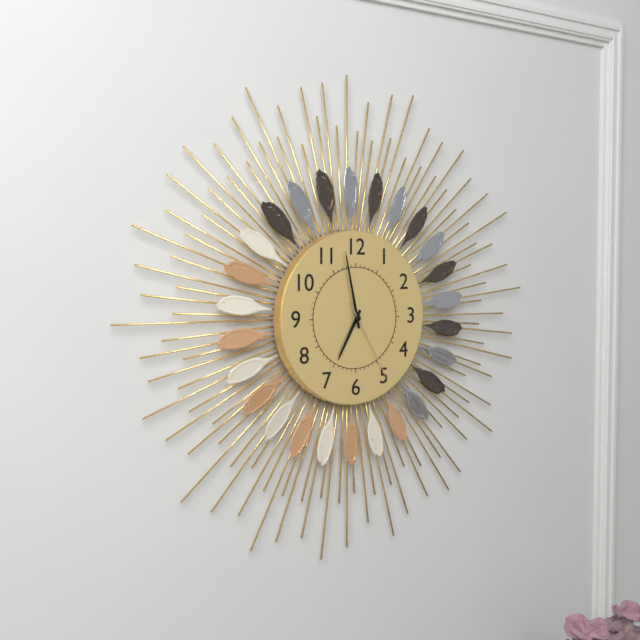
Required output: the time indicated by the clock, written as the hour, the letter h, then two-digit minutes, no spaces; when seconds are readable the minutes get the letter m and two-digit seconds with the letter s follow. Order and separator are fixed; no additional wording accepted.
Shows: 6h58m25s
